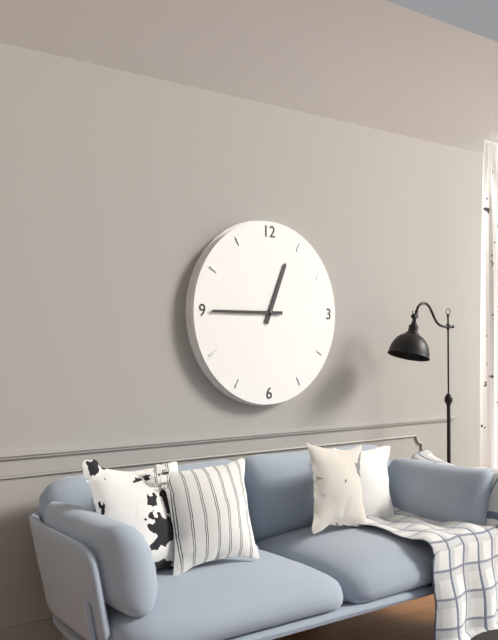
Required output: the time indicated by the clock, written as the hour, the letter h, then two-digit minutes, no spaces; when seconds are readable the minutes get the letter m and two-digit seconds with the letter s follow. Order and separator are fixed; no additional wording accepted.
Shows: 12h45
